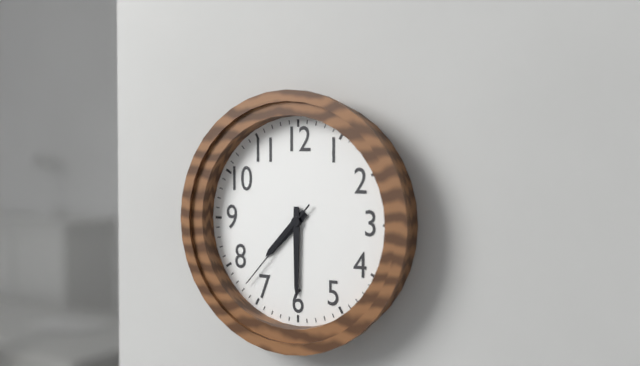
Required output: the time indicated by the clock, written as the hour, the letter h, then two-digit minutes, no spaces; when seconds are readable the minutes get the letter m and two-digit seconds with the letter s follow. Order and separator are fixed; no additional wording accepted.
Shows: 7h30m37s
